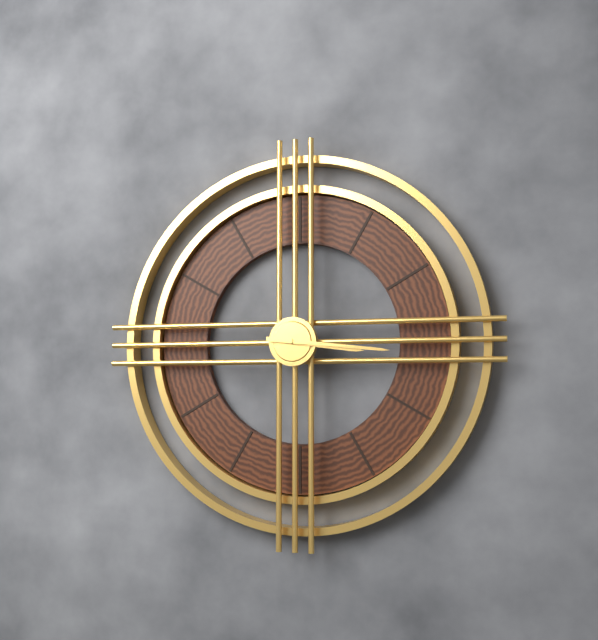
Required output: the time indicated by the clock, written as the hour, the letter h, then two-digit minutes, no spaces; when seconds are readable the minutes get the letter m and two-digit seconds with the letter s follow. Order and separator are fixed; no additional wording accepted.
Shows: 3h16
